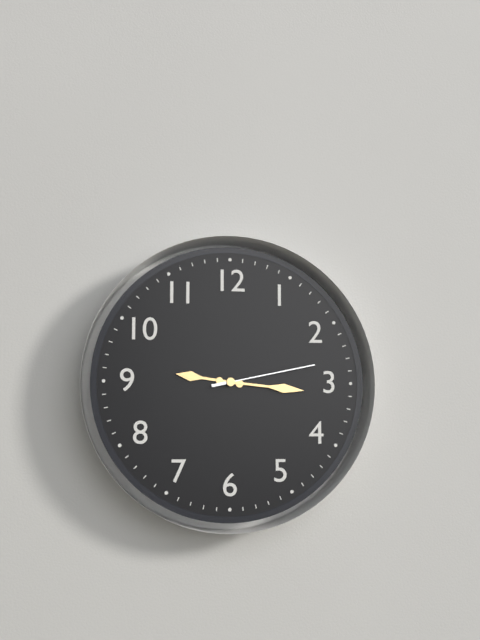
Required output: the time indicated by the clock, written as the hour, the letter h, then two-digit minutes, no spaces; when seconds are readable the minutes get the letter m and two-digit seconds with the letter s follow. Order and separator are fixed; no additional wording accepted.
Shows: 9h16m13s
